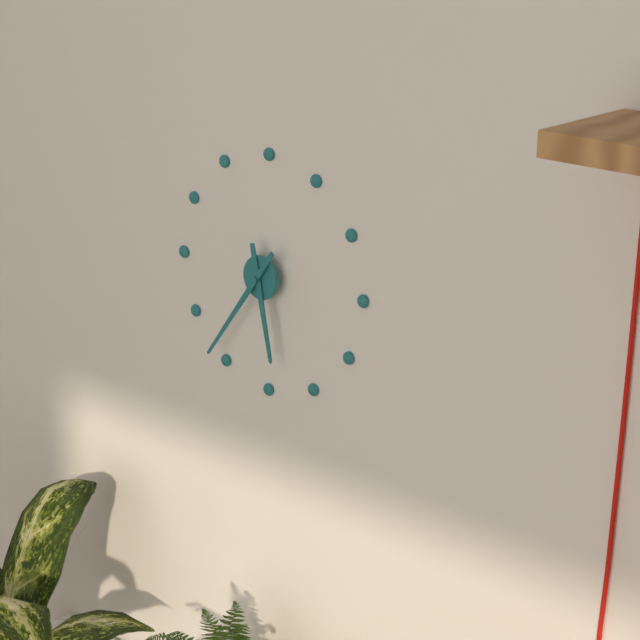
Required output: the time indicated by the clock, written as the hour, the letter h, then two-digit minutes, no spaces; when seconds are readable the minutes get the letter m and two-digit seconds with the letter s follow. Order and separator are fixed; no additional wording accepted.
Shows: 5h36
